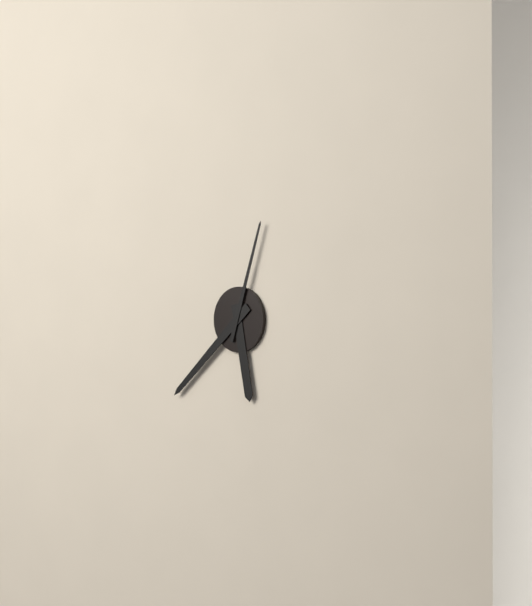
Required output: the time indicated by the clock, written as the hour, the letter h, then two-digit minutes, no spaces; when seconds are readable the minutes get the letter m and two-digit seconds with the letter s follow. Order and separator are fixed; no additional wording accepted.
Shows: 5h38m03s
